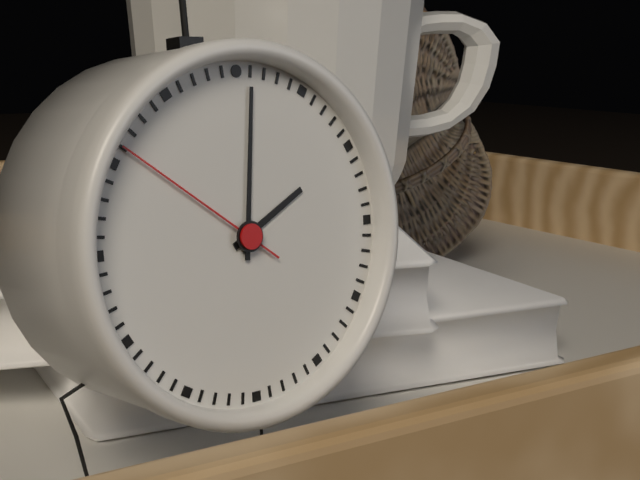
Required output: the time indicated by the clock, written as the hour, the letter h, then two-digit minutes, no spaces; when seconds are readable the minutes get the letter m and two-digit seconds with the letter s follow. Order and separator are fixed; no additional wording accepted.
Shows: 2h01m51s
